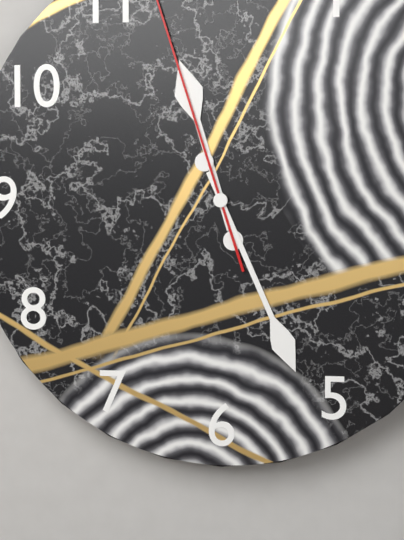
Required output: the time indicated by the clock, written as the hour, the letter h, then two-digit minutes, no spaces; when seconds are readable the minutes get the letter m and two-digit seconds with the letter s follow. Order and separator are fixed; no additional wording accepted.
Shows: 11h26
